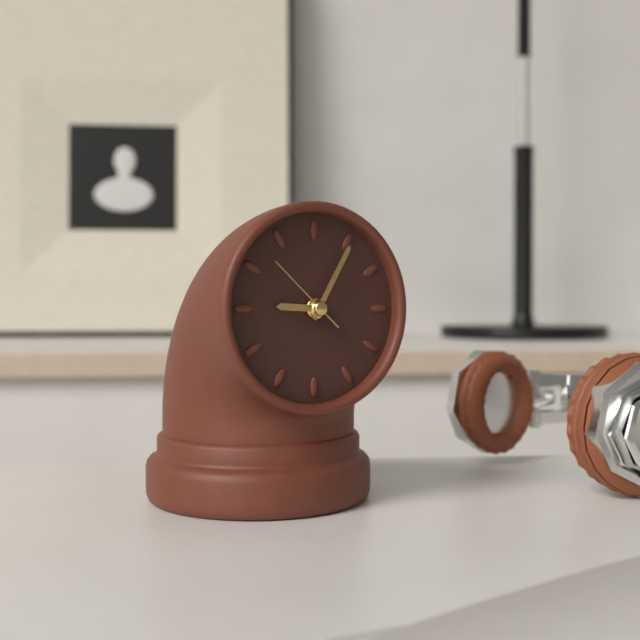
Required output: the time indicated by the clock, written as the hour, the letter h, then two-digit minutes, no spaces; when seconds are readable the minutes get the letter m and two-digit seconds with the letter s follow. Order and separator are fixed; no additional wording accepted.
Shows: 9h05m52s
